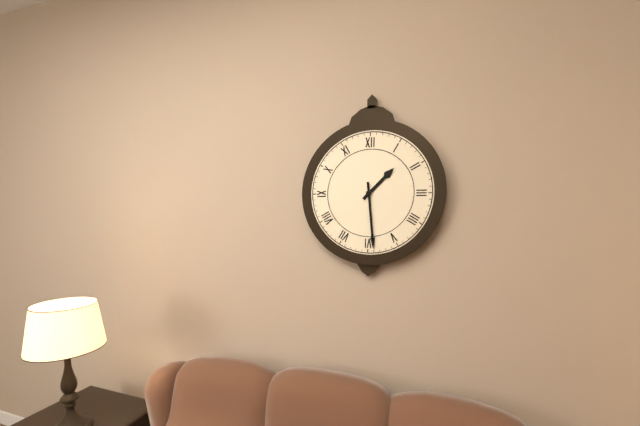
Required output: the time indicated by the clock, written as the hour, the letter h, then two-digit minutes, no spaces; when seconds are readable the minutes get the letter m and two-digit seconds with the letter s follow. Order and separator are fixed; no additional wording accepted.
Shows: 1h29
